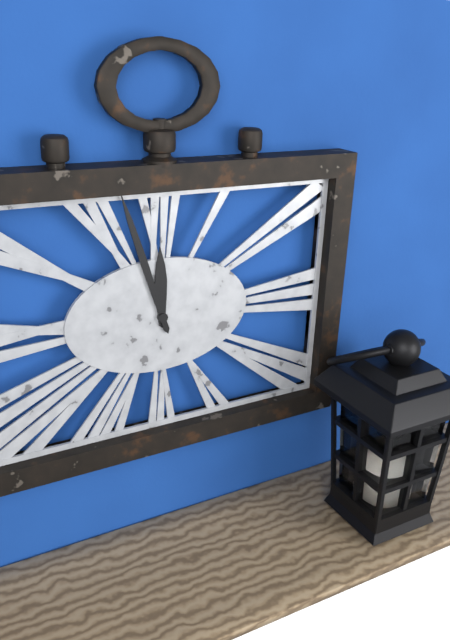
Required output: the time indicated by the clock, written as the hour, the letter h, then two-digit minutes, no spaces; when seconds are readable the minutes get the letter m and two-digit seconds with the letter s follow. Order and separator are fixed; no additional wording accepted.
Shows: 11h57
